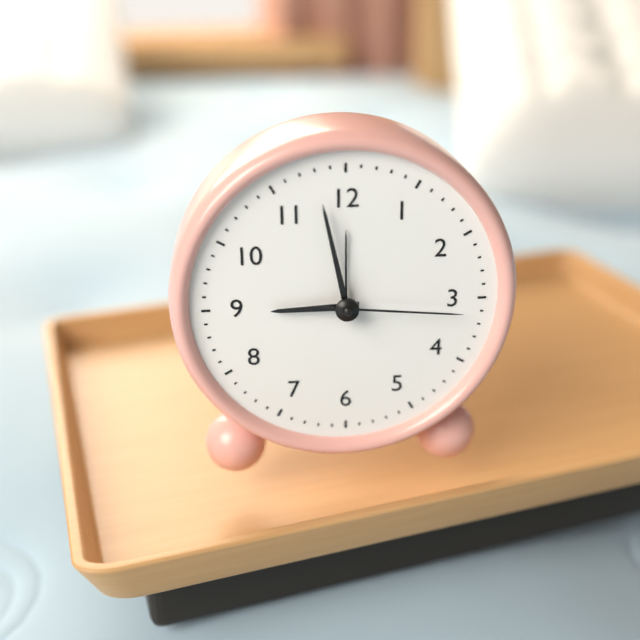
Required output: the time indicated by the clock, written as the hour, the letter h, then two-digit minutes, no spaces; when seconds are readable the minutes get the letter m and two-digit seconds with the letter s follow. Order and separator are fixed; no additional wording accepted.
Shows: 8h58m16s
